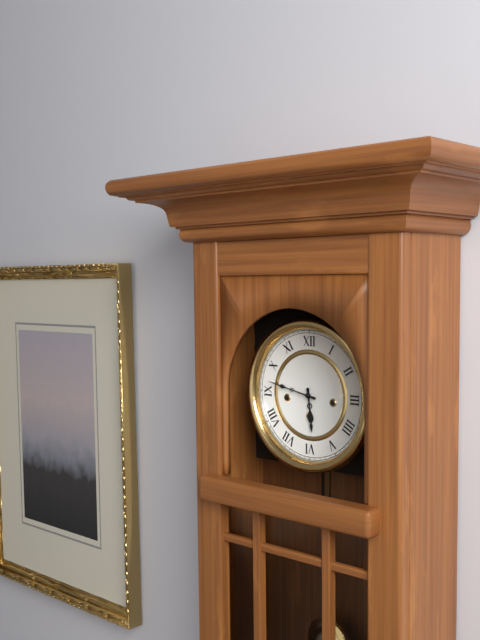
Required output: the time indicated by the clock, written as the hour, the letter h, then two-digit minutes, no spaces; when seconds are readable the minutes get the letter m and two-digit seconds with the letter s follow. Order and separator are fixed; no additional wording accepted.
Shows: 5h47
